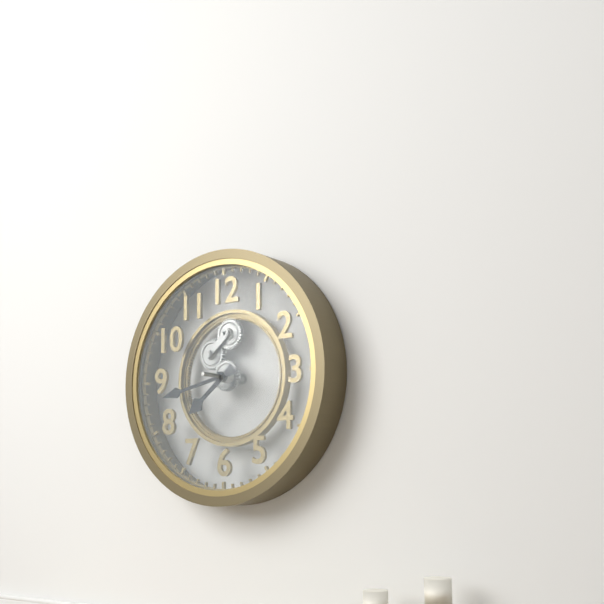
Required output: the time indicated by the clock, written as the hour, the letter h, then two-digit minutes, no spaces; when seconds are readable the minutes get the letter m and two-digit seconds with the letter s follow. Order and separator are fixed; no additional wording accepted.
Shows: 7h43
